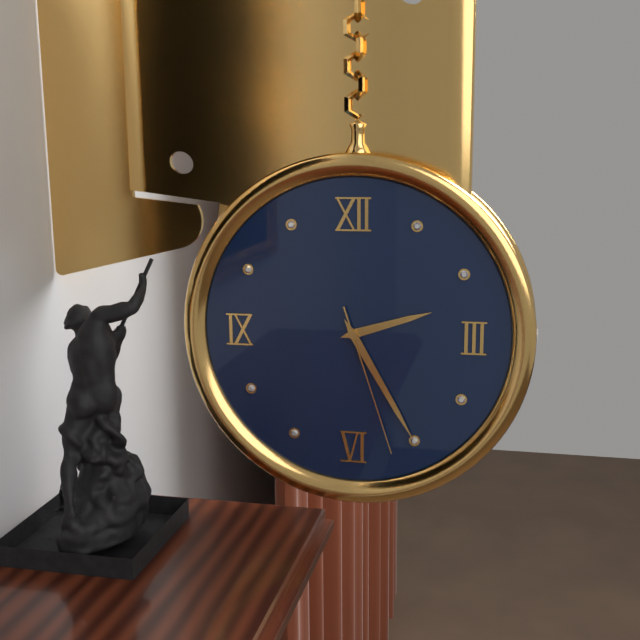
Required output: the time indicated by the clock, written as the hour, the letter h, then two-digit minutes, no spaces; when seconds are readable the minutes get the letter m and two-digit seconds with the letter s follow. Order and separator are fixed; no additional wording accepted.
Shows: 2h25m27s
